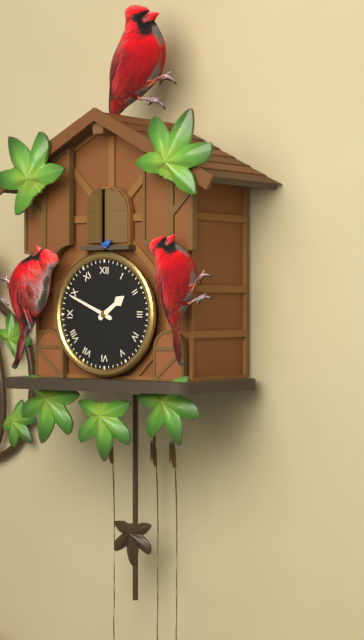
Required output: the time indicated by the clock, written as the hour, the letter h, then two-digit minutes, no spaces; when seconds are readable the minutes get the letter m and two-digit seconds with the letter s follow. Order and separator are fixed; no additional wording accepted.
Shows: 1h49
